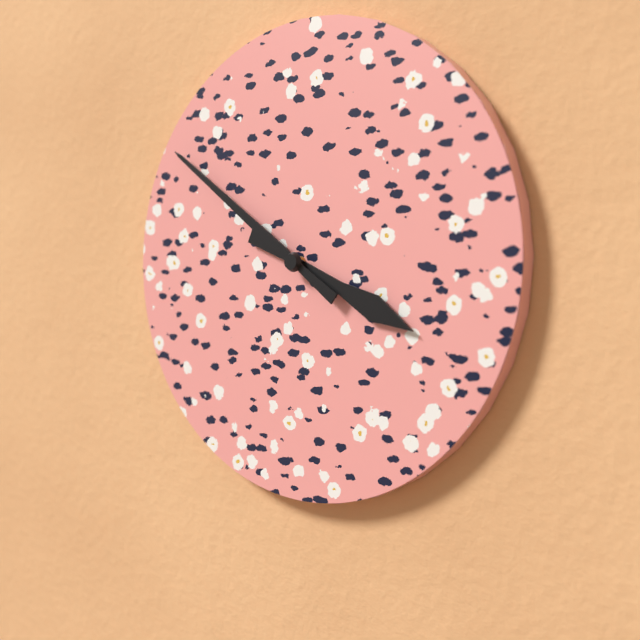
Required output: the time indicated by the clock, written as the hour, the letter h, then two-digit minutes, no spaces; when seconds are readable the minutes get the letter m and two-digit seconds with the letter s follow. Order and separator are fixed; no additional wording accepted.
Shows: 3h51
